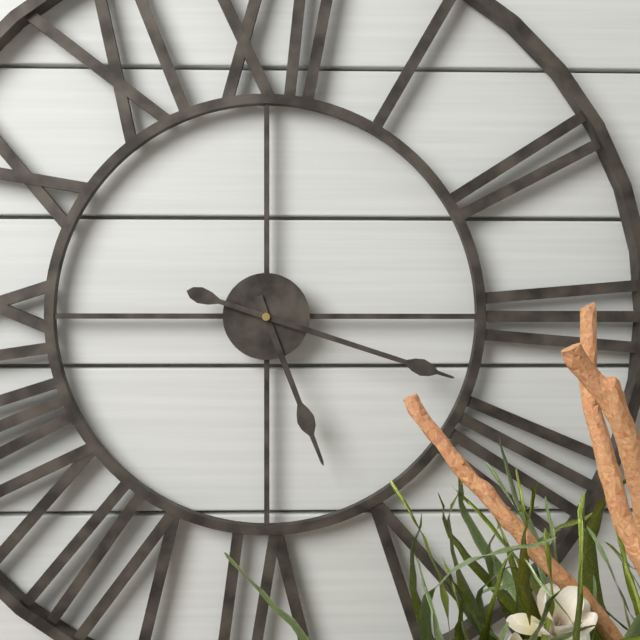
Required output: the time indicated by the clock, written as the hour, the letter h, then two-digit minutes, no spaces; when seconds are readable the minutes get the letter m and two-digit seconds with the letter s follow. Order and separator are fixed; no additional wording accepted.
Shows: 5h18
